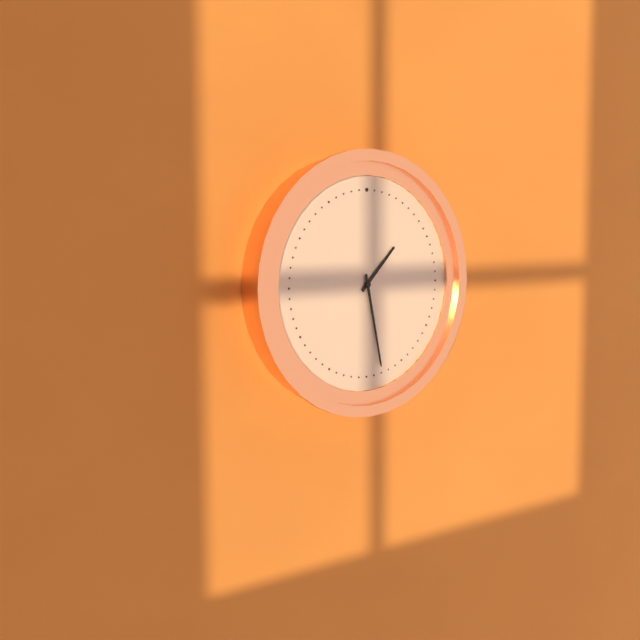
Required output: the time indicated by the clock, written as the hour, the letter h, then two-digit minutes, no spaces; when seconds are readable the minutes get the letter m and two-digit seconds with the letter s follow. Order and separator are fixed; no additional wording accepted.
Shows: 1h28
